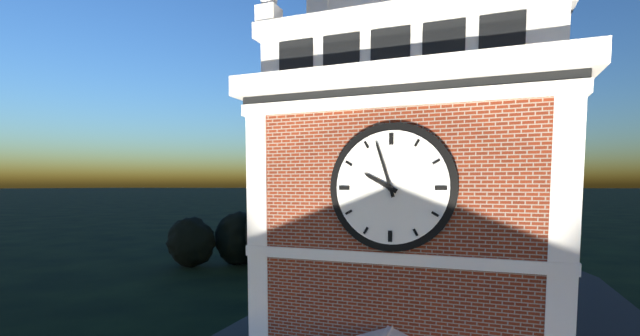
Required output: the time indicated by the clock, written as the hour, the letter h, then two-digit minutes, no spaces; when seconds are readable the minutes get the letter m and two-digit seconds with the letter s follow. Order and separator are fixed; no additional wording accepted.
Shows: 9h57
